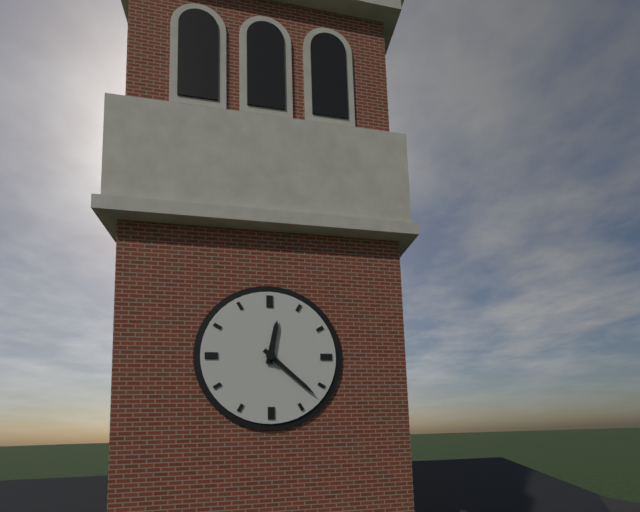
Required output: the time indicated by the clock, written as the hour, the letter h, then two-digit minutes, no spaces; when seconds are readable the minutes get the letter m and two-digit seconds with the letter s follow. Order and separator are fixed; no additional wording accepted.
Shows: 12h22
